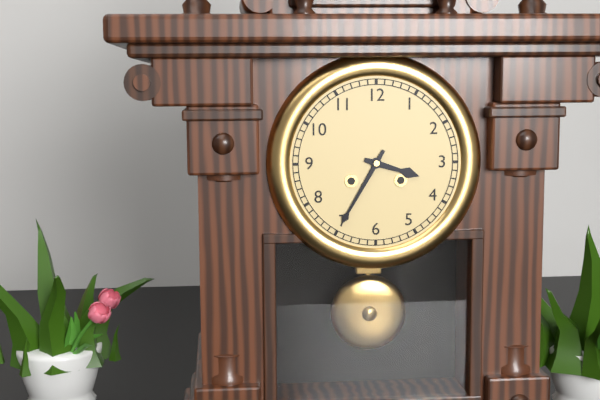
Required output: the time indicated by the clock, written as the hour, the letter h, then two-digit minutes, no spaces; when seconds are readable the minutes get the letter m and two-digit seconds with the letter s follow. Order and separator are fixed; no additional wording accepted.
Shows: 3h35
